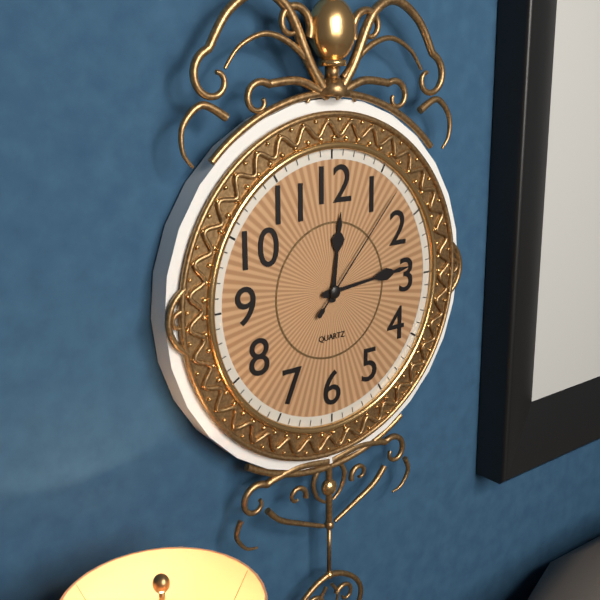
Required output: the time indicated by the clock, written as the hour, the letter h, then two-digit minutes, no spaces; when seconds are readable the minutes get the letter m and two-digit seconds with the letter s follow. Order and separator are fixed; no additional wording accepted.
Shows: 12h14m07s
